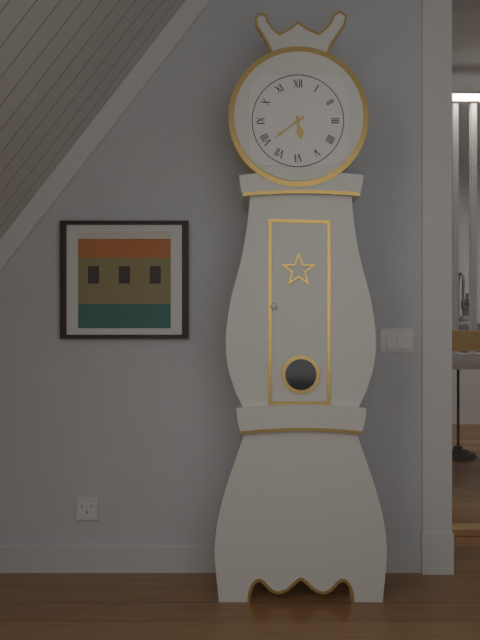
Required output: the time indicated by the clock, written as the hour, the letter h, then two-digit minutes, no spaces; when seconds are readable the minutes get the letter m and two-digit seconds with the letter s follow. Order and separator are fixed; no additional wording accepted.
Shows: 5h39
